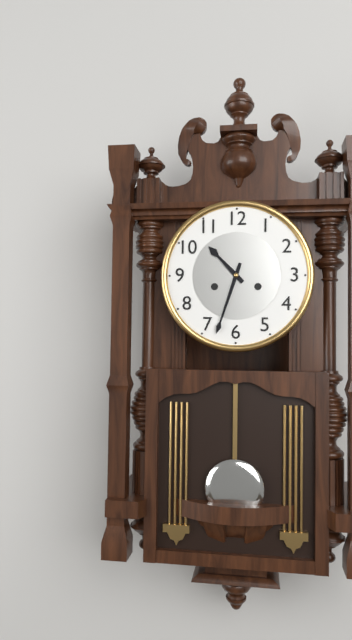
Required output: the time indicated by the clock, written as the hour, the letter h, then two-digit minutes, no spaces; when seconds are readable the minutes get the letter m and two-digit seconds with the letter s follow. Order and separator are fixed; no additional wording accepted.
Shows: 10h33
